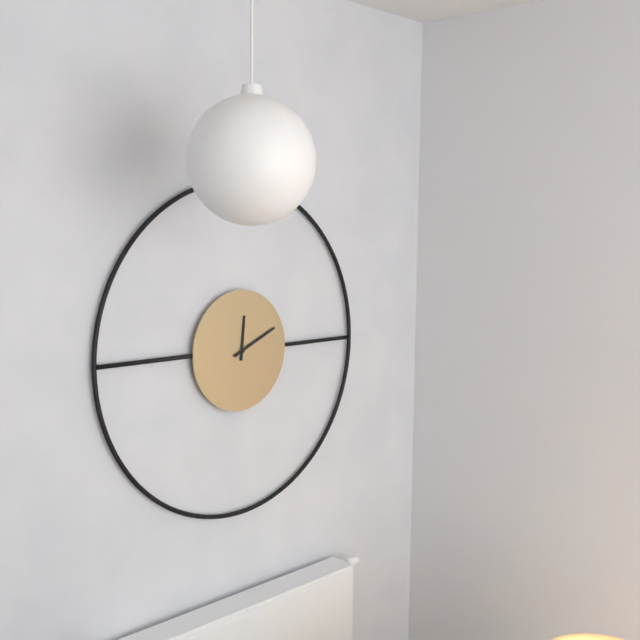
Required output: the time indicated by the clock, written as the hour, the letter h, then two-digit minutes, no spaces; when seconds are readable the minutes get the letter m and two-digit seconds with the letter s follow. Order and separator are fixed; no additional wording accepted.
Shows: 12h11
